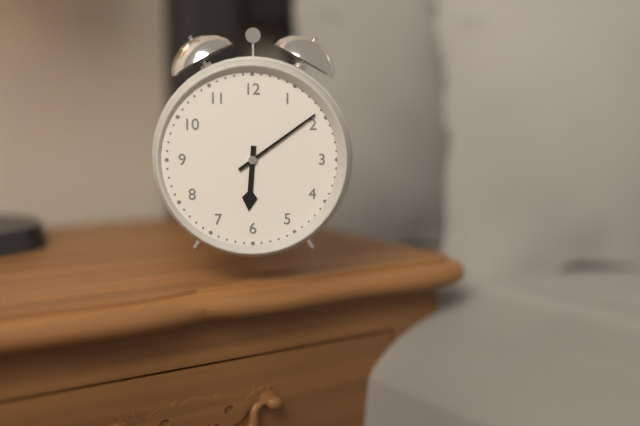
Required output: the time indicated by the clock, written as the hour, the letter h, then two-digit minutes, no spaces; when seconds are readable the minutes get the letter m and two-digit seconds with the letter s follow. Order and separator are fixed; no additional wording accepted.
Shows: 6h09
